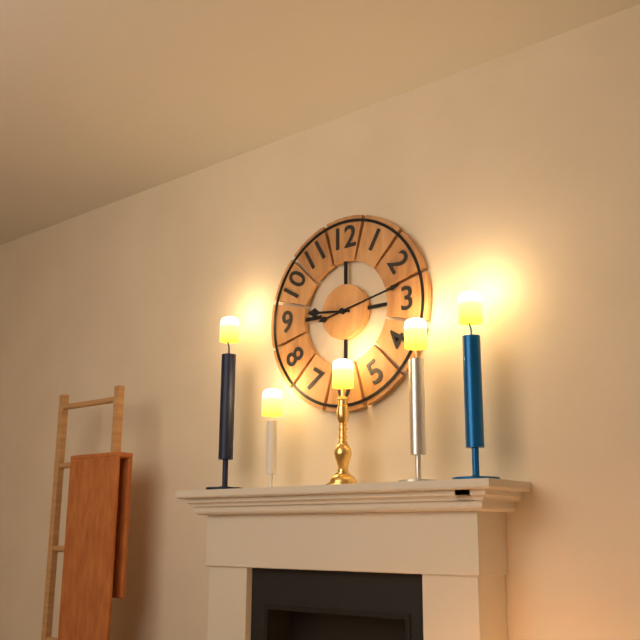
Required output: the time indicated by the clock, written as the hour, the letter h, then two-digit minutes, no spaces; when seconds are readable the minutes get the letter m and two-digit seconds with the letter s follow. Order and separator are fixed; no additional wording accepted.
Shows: 9h13
